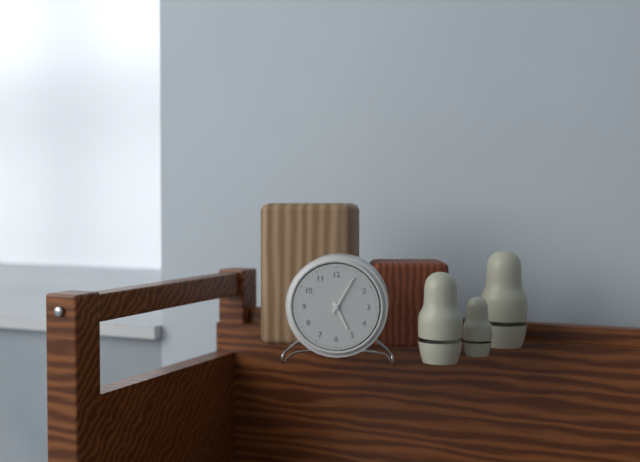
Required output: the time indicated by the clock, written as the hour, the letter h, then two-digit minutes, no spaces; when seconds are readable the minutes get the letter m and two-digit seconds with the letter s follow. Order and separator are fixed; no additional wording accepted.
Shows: 5h05
